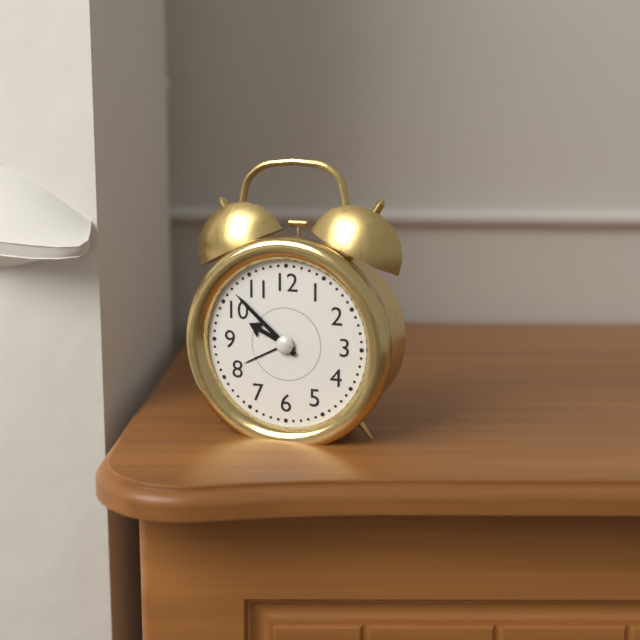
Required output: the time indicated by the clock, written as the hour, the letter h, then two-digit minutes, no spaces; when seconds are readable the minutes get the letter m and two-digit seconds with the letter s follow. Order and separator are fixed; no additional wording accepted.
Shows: 9h52
